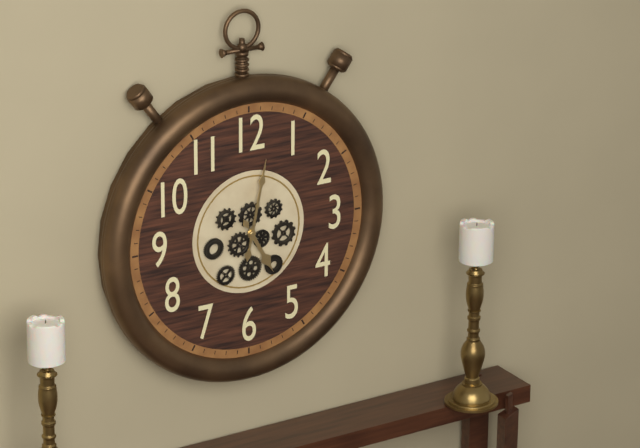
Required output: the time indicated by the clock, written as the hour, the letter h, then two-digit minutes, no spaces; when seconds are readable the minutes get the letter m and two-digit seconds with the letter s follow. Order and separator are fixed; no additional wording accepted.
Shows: 5h02
